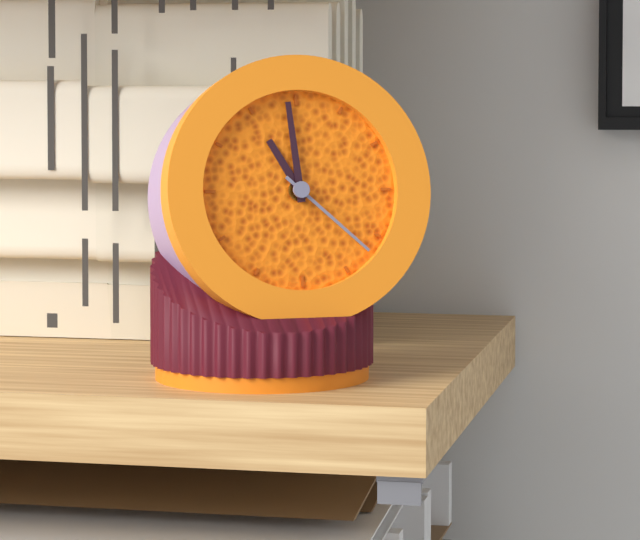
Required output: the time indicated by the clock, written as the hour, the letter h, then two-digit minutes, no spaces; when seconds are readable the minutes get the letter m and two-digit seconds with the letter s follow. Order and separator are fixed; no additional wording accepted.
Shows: 10h59m22s
